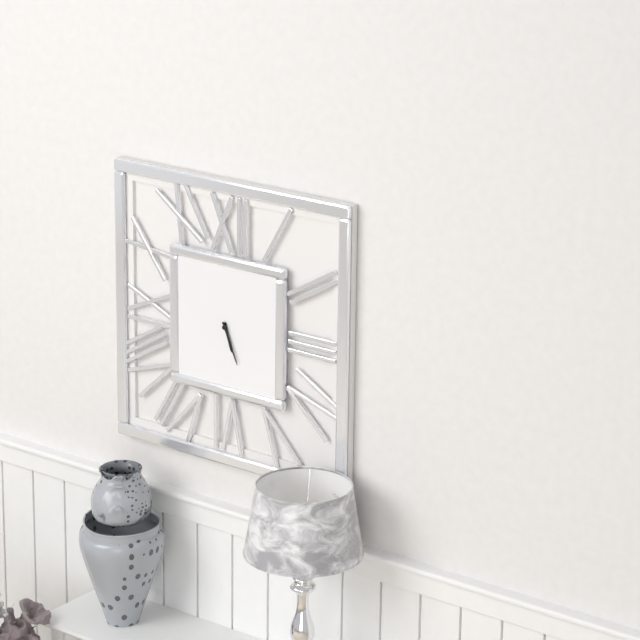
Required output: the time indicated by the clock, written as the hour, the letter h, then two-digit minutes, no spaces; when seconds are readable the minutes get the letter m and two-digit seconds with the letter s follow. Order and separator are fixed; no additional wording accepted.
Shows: 5h26
